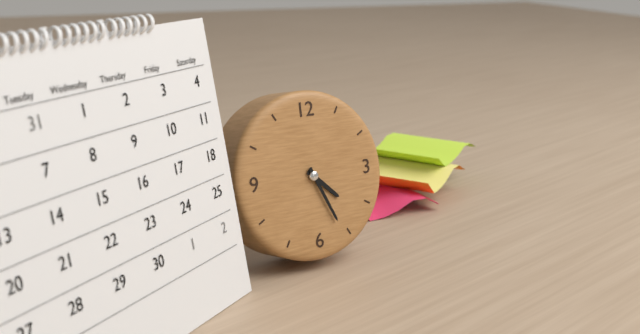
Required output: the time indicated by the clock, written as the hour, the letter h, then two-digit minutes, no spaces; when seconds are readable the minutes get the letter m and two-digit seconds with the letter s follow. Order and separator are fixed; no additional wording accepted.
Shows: 4h26
